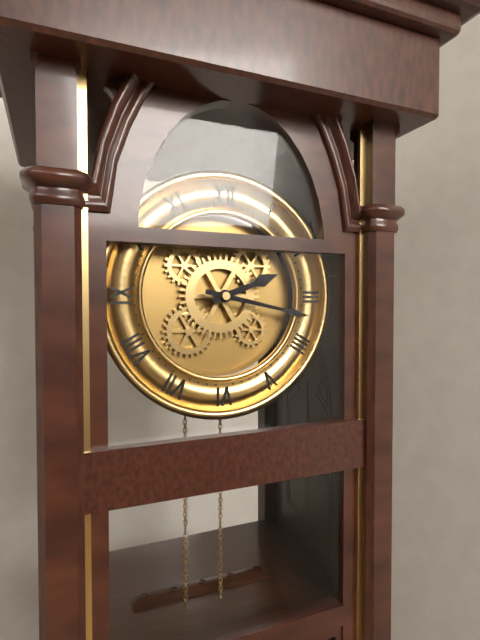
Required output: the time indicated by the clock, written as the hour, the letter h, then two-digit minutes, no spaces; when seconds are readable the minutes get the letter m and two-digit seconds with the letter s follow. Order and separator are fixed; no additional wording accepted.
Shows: 2h17
